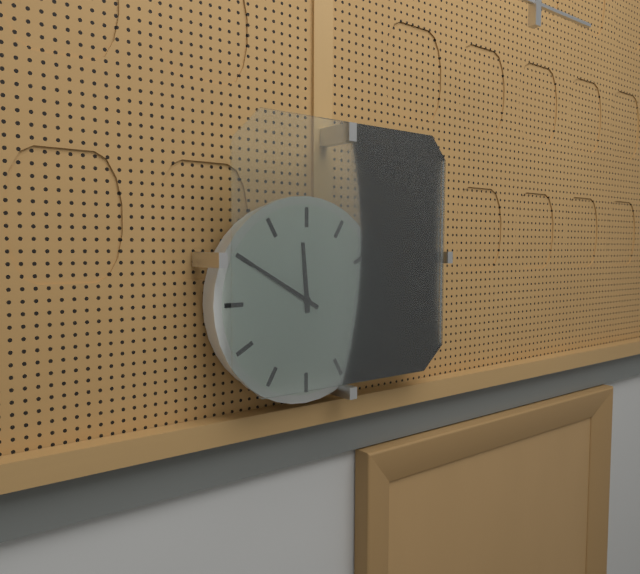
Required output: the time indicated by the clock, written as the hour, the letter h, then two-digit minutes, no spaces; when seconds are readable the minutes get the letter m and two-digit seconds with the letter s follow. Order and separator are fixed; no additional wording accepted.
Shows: 11h50
